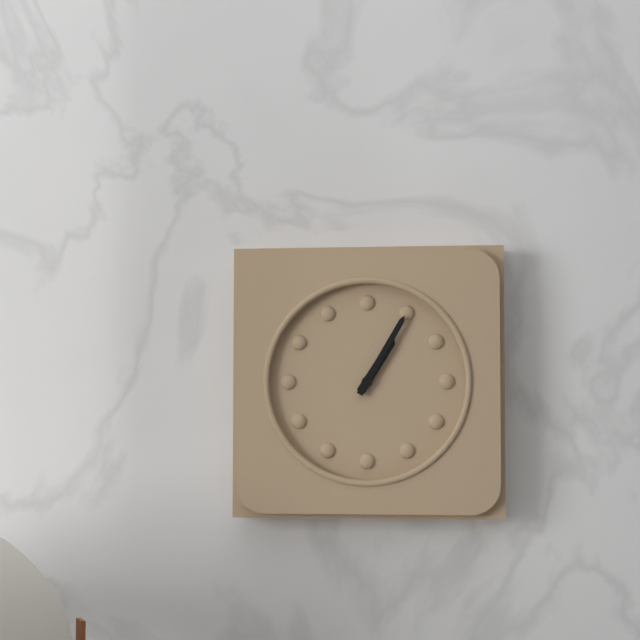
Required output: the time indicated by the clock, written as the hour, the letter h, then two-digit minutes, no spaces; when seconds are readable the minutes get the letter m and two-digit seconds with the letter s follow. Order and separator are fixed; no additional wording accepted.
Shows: 1h05
